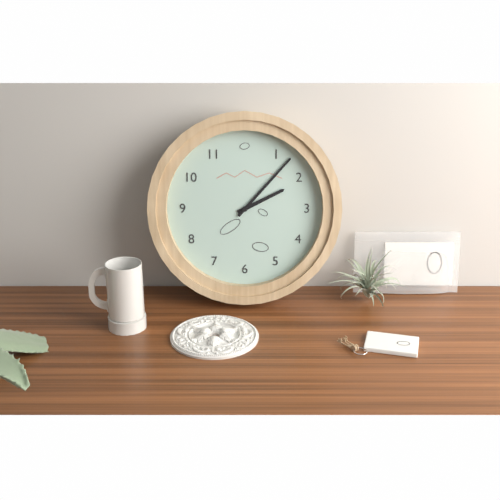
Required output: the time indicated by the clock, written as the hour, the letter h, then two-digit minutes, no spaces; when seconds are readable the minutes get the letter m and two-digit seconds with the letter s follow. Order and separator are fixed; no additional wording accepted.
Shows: 2h07
